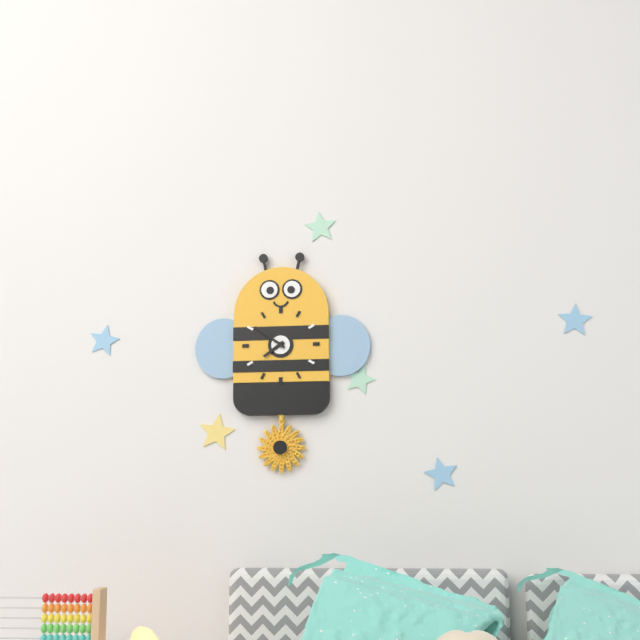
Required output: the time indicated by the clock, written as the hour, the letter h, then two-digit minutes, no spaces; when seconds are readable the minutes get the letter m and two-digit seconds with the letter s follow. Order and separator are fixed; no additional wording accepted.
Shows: 7h51
